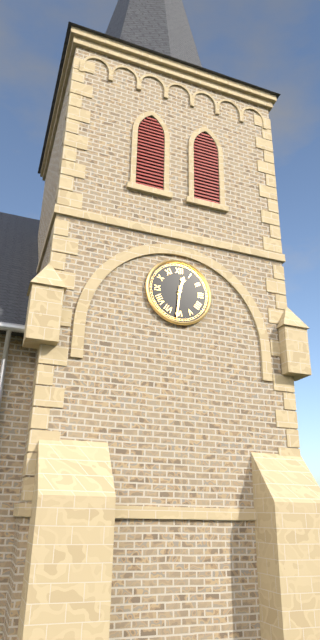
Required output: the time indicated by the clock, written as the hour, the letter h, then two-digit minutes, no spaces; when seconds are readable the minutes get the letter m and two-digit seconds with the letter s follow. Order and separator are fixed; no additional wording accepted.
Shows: 12h31
